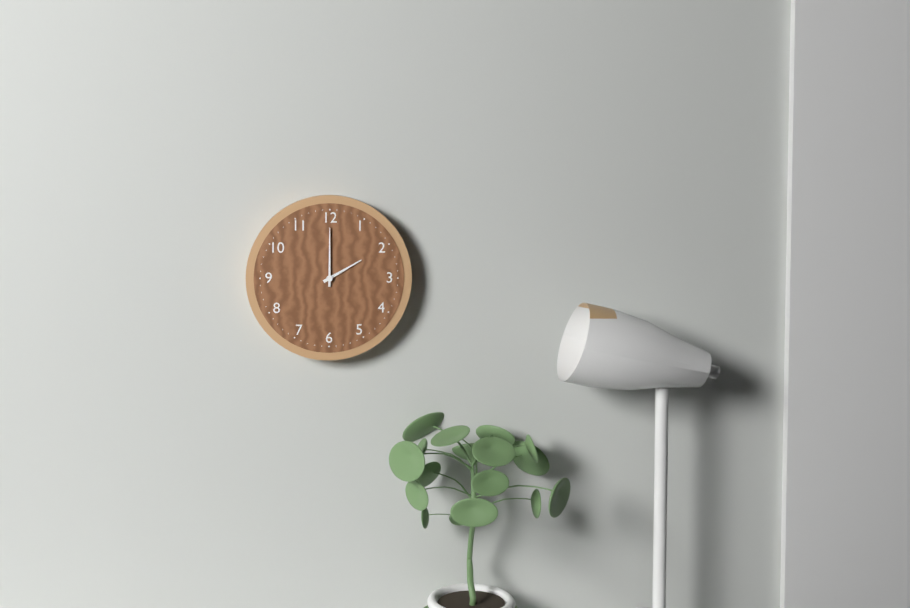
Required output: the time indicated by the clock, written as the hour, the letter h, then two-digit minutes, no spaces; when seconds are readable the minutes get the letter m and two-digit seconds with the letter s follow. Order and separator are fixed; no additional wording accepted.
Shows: 2h00
